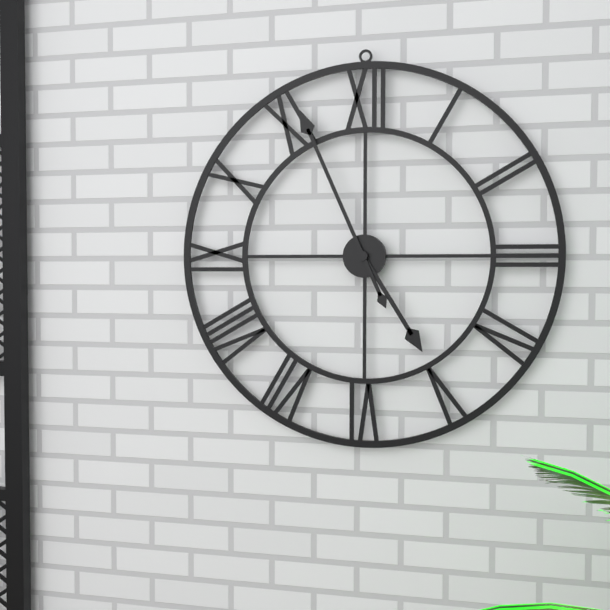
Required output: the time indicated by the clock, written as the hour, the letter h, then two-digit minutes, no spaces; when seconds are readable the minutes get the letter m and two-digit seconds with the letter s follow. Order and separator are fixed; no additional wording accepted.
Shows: 4h56
